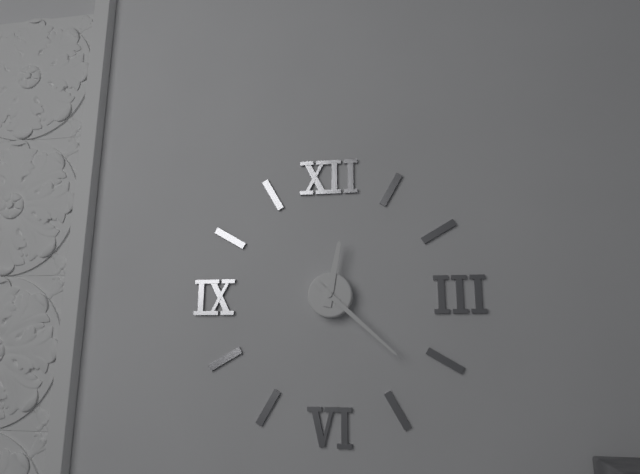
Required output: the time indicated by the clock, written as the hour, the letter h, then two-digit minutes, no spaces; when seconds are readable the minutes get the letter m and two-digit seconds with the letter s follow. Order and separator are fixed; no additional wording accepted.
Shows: 12h22
